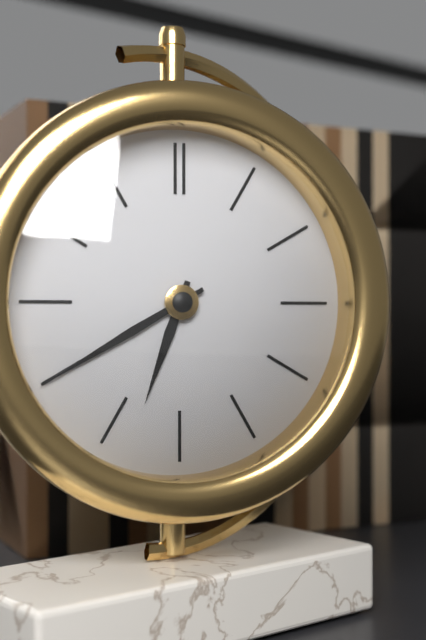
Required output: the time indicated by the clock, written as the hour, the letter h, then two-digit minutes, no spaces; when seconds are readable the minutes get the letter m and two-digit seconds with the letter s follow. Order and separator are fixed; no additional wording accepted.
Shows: 6h40
